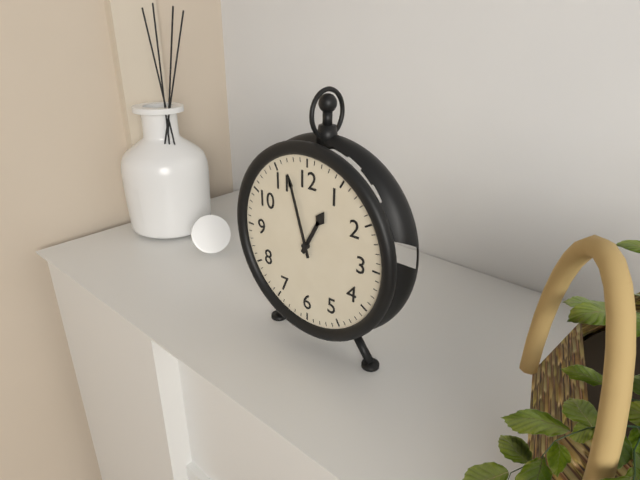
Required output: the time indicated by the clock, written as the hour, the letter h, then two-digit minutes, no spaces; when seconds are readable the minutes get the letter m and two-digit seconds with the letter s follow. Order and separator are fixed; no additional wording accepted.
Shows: 12h57
